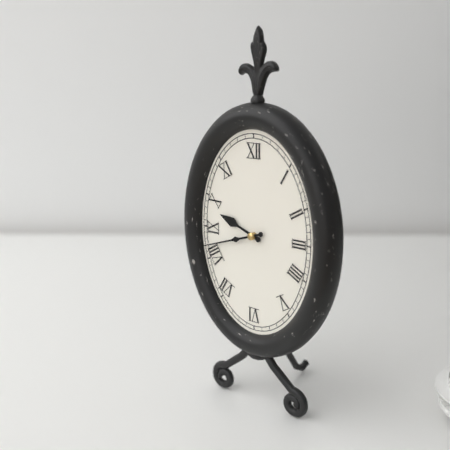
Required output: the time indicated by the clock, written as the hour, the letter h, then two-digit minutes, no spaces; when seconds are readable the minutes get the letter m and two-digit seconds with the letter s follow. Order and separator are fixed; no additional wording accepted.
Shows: 9h42
